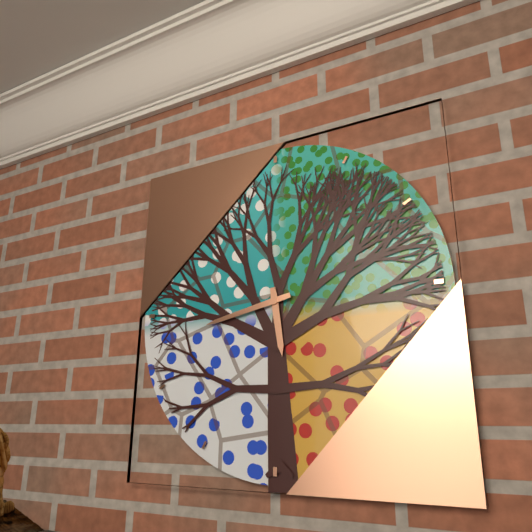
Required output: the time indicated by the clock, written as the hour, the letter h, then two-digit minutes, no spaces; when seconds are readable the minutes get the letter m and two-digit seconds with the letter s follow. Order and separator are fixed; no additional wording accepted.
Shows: 5h43
